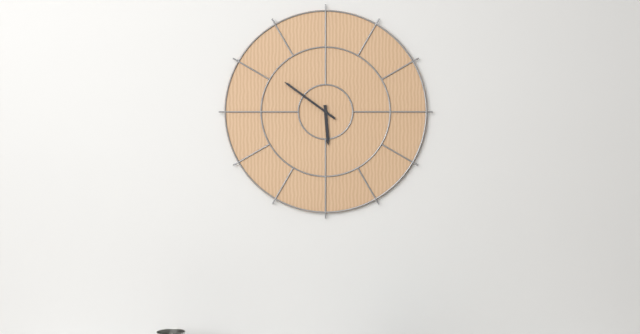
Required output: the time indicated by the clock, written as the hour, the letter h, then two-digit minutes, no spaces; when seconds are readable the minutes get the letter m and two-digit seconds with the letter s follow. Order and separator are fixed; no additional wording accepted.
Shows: 5h51
